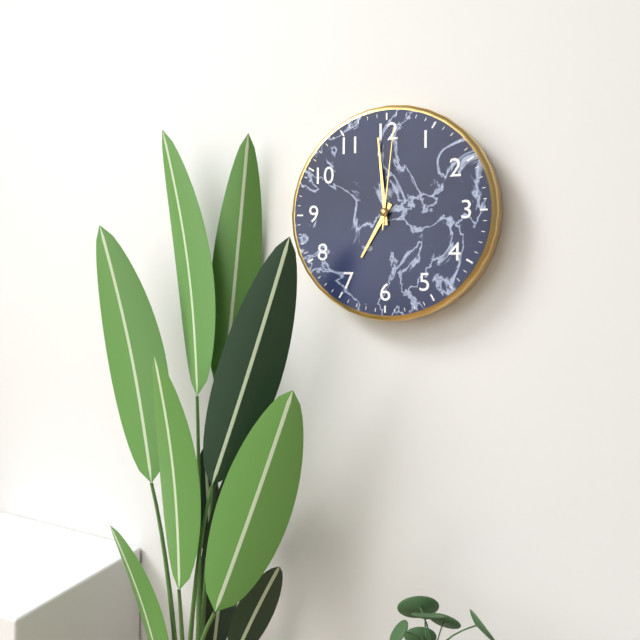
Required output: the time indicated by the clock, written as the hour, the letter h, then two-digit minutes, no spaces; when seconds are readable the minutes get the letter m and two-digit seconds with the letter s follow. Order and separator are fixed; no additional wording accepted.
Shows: 6h59m01s
